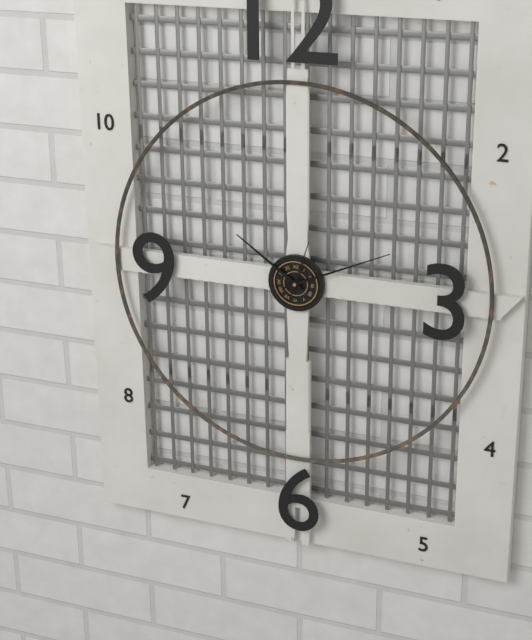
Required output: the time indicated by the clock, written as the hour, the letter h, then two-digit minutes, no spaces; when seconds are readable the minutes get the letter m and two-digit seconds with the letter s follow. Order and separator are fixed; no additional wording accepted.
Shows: 10h11
